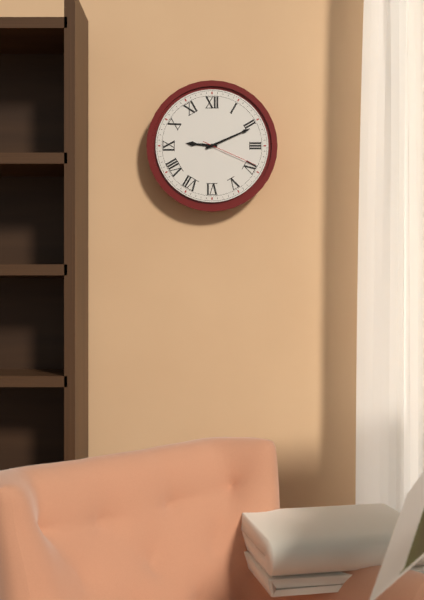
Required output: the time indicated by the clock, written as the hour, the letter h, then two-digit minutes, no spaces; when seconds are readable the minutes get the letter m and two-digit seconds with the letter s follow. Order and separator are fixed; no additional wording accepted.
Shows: 9h11m19s
